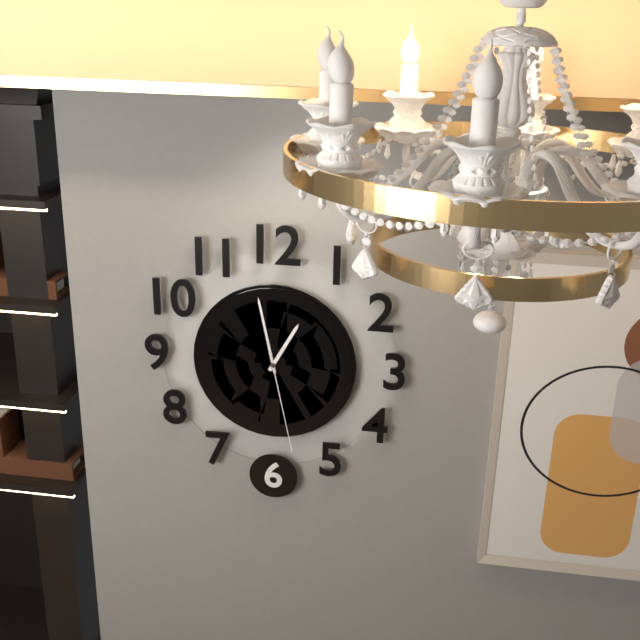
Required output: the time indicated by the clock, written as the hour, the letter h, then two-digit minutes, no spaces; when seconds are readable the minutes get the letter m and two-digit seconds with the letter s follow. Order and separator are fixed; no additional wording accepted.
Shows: 12h58m28s
